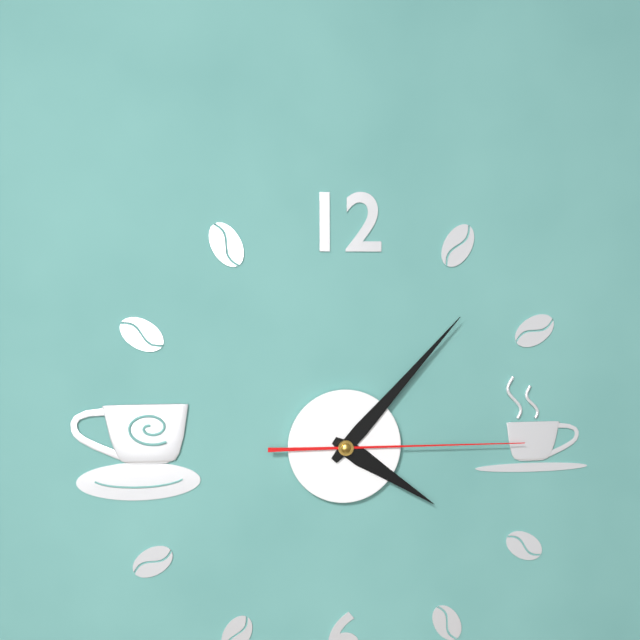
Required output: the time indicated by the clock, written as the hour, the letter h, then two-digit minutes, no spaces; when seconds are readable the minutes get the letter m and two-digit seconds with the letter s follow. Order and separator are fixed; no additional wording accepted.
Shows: 4h07m15s
